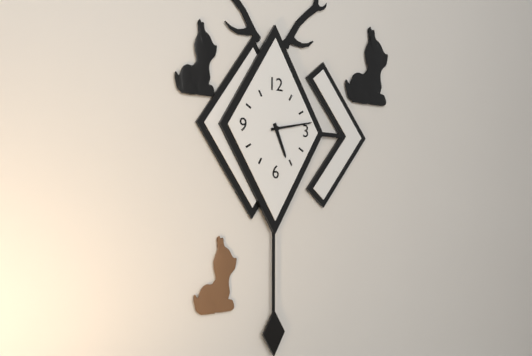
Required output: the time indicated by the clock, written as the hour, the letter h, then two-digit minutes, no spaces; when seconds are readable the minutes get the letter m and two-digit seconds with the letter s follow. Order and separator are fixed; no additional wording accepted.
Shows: 5h13
